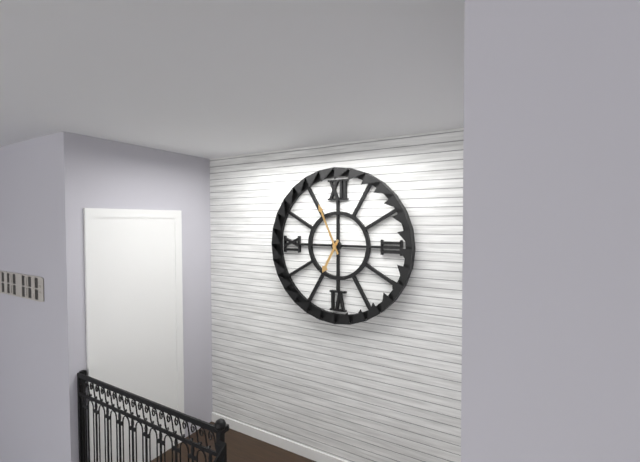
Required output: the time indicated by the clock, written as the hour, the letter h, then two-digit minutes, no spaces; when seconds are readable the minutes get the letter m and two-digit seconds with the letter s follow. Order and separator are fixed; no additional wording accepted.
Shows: 6h56
